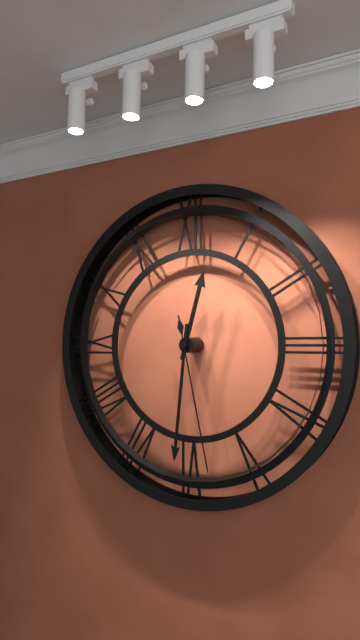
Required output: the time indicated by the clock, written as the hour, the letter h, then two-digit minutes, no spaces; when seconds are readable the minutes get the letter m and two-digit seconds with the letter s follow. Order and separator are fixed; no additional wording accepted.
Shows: 12h31m28s
